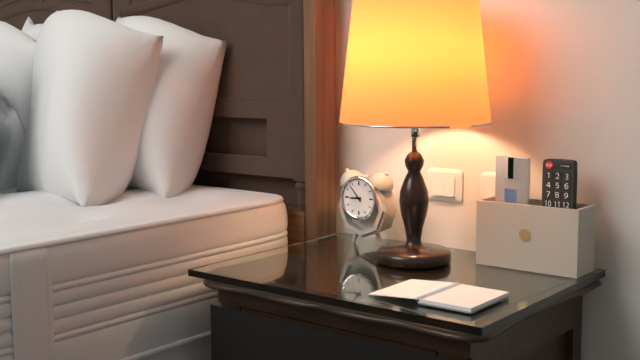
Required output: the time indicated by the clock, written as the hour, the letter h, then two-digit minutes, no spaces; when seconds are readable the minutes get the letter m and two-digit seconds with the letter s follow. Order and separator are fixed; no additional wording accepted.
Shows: 8h53
